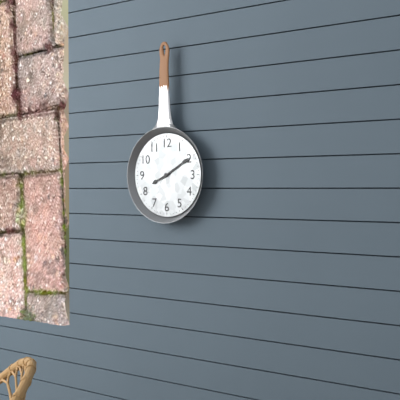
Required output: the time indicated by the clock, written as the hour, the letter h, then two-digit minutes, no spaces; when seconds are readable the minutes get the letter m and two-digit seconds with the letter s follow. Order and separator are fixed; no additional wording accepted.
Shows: 8h10
